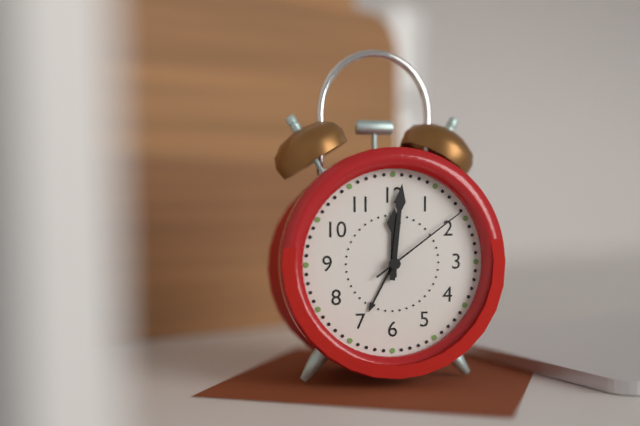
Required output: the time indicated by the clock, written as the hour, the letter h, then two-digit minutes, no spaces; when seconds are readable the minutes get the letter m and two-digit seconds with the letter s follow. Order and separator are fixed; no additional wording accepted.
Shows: 12h01m09s
